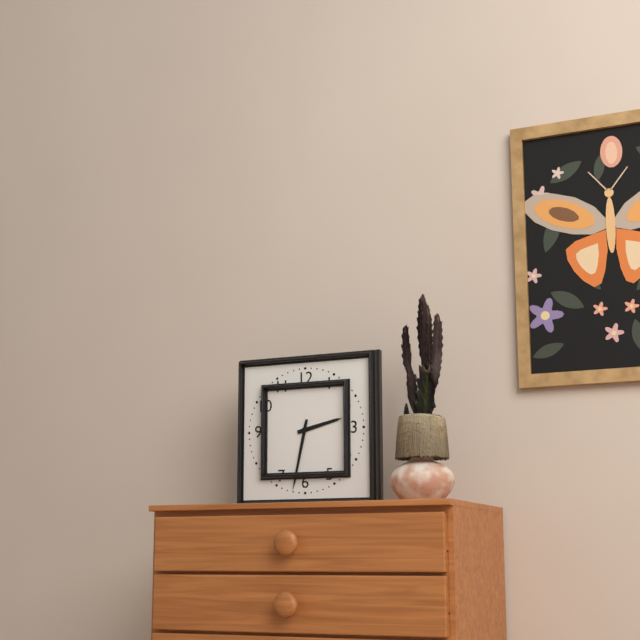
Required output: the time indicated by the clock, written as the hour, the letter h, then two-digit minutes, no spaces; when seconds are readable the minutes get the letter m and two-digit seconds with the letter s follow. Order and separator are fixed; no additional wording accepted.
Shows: 2h32
